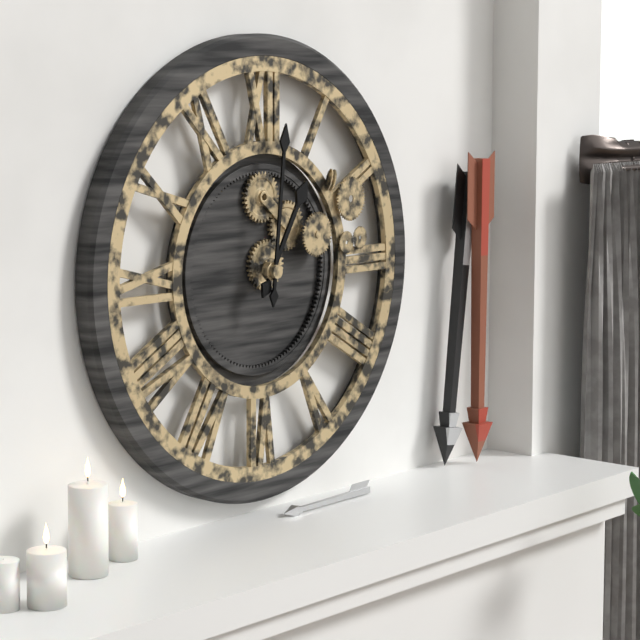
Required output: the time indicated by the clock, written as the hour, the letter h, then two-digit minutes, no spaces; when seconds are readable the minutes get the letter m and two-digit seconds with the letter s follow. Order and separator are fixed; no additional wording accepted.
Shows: 1h01
